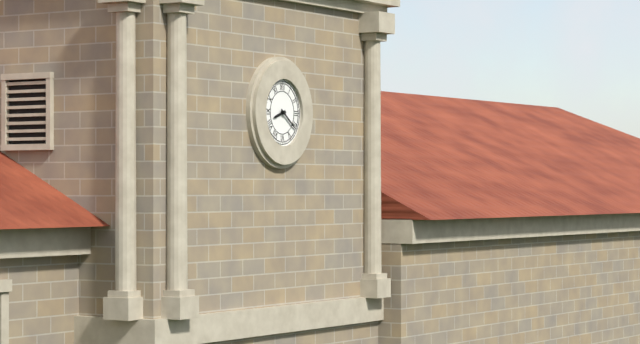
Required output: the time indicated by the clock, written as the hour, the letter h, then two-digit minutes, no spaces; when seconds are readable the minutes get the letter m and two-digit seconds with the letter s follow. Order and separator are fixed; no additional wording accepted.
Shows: 8h21
